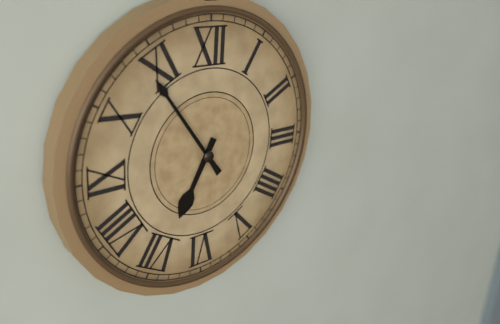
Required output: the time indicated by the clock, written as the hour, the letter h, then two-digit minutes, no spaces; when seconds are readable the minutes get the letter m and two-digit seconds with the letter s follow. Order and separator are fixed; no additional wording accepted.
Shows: 6h54
